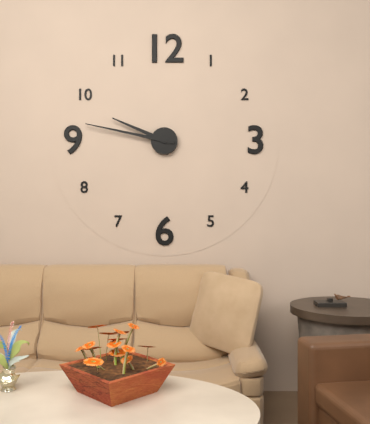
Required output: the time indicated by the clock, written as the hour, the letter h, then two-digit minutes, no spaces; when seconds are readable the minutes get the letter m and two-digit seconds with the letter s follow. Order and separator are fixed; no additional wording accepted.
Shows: 9h47
